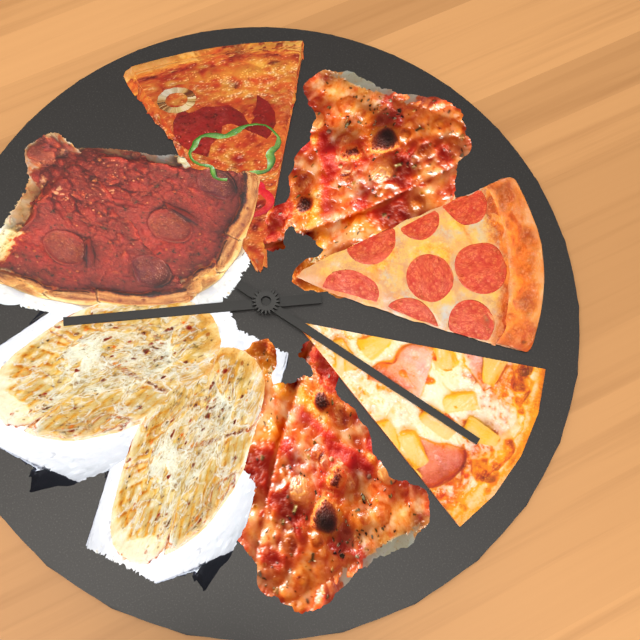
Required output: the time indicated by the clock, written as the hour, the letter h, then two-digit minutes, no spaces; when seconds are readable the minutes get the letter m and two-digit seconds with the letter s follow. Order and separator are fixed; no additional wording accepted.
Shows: 12h40
